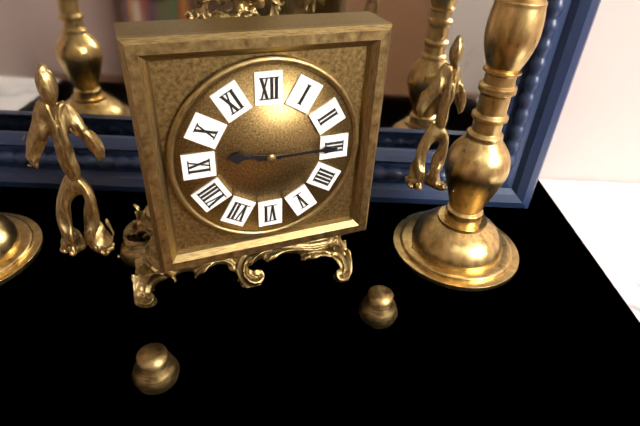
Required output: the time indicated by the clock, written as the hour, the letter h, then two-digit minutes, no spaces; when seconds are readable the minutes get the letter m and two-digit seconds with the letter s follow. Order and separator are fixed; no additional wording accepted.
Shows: 9h15
